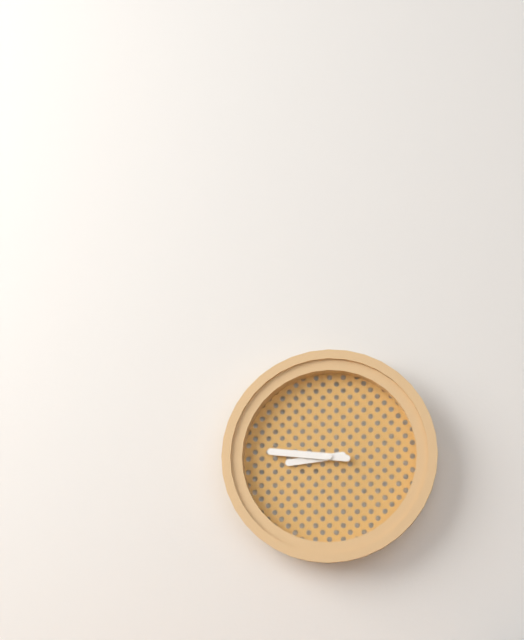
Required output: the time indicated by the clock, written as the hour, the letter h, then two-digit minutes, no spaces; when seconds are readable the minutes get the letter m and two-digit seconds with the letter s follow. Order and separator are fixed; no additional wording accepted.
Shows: 8h46
